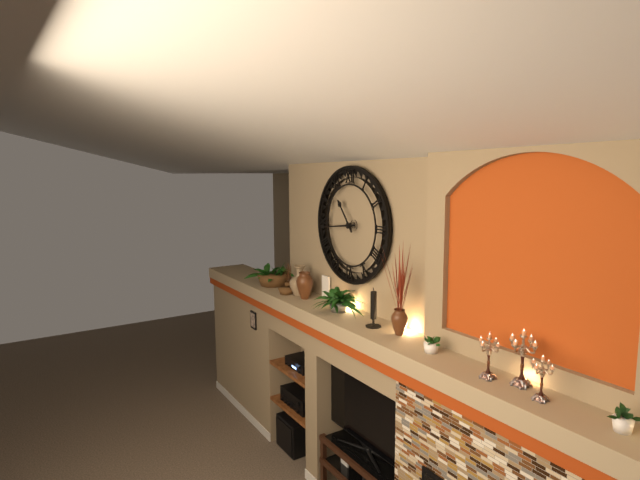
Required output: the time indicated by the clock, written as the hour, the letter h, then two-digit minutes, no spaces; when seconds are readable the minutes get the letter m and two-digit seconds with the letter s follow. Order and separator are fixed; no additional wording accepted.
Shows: 10h44
